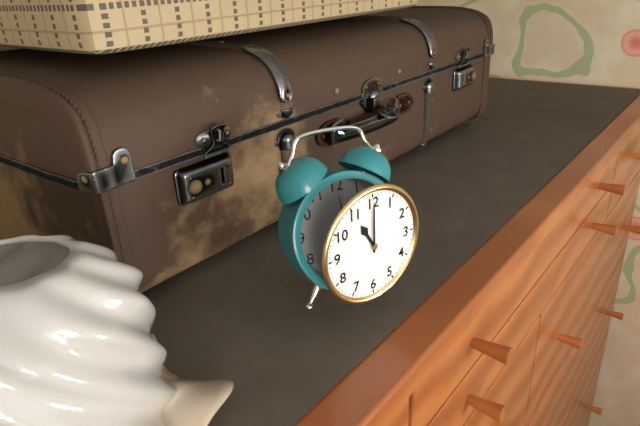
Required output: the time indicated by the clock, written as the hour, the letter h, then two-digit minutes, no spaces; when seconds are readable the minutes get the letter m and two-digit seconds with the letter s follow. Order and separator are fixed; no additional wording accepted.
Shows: 11h00
